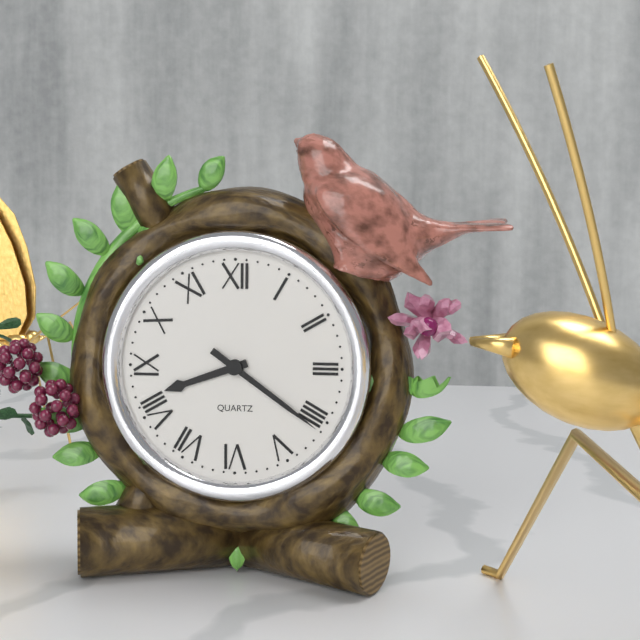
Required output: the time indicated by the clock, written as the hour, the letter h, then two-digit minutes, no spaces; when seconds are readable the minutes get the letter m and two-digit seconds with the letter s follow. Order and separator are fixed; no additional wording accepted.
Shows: 8h21
